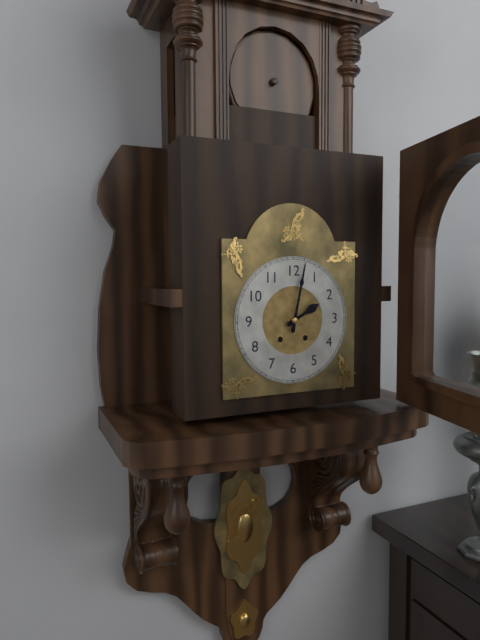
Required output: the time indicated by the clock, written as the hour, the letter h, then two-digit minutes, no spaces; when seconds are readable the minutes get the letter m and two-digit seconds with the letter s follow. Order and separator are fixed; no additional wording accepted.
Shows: 2h02
